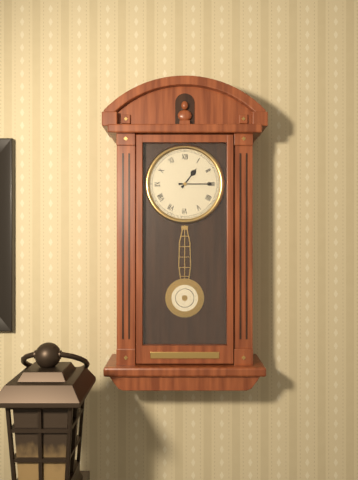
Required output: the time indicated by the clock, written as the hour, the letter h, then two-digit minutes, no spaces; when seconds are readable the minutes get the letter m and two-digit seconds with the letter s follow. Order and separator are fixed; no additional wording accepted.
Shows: 1h15
